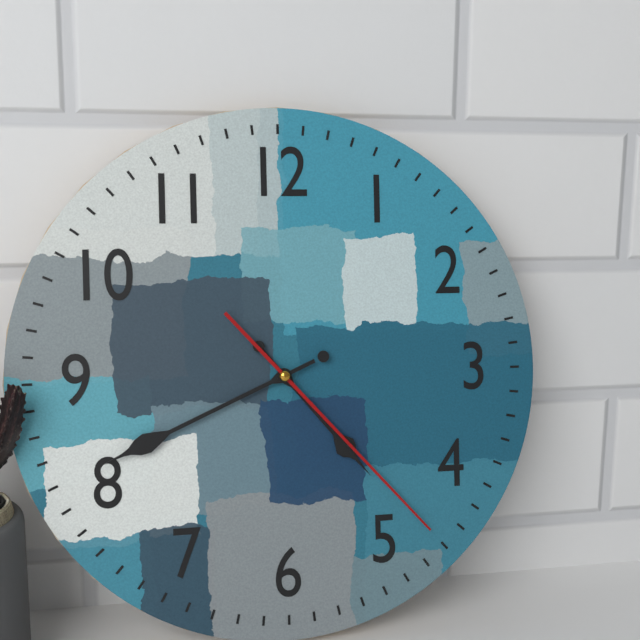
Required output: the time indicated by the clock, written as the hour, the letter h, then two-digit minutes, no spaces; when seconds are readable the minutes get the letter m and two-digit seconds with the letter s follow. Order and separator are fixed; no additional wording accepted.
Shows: 4h41m23s
